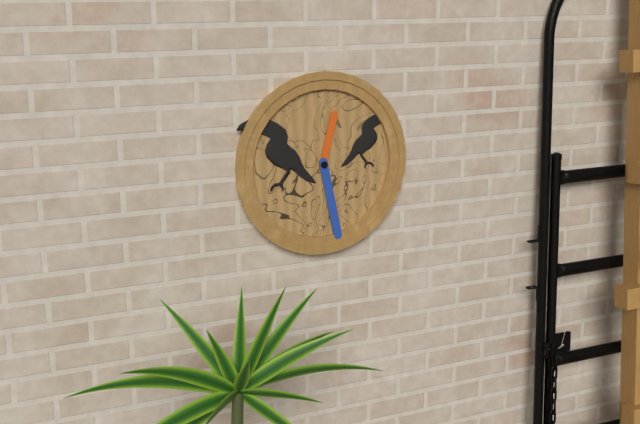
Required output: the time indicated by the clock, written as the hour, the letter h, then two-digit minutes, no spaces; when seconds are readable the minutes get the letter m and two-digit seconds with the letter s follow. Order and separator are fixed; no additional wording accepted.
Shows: 12h28
